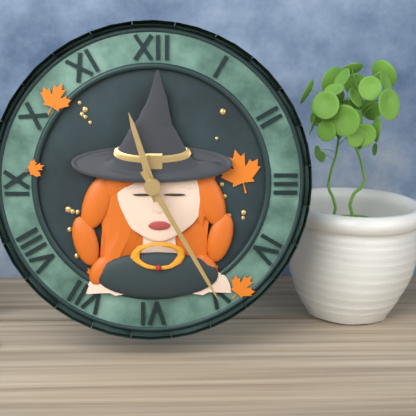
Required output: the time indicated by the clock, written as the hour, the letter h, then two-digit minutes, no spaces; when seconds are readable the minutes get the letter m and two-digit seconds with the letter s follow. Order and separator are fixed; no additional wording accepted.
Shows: 11h25
